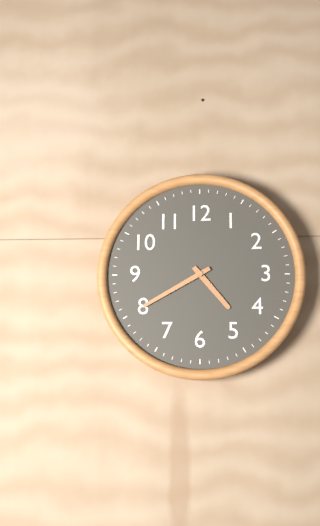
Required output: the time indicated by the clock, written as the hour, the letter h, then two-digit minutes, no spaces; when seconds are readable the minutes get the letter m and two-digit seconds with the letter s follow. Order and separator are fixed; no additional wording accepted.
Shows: 4h40
